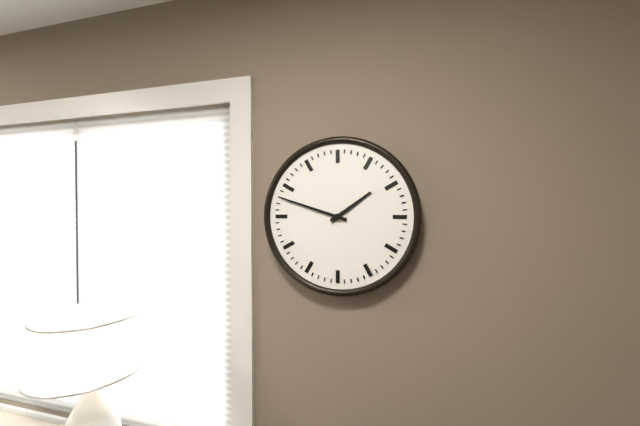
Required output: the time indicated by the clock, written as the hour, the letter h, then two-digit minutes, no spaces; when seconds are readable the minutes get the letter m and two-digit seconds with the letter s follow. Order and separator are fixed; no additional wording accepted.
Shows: 1h48
